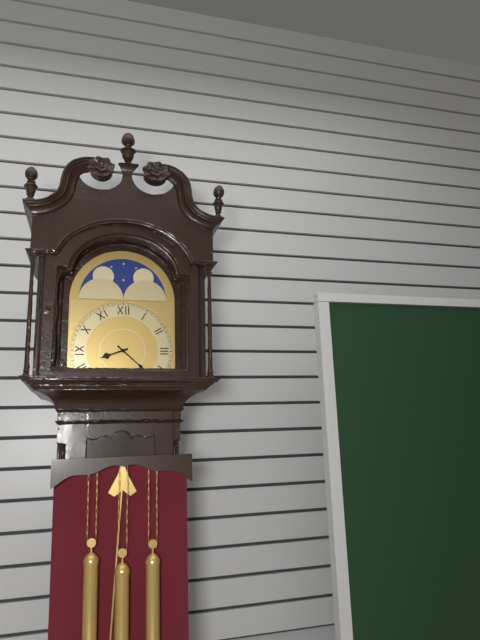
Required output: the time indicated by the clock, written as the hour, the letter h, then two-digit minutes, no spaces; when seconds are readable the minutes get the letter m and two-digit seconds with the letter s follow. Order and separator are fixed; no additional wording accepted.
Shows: 8h22
